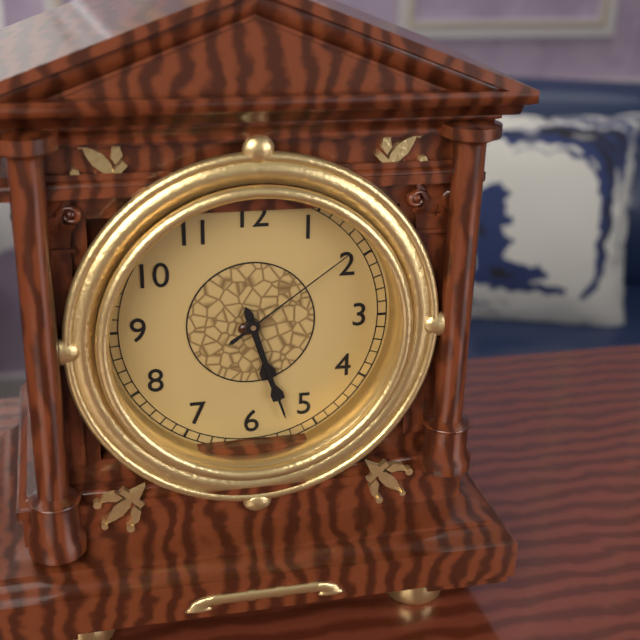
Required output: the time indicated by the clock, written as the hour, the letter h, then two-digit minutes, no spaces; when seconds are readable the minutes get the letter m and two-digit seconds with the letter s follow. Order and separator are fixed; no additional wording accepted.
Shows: 5h27m09s
